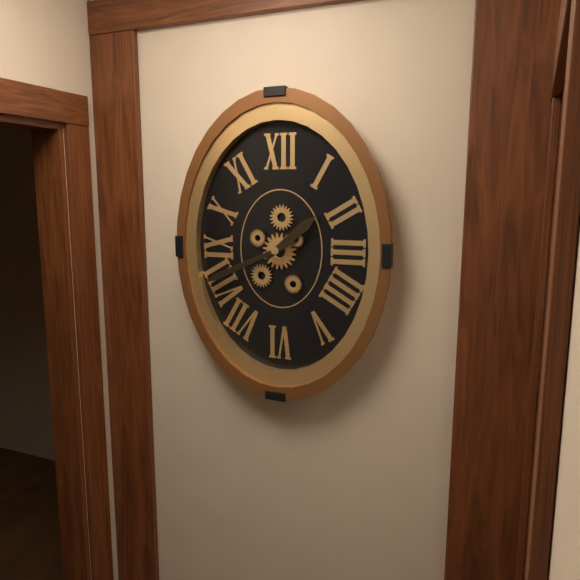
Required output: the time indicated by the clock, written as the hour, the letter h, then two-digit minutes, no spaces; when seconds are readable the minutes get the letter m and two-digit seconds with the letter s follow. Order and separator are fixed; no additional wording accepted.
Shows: 1h41
